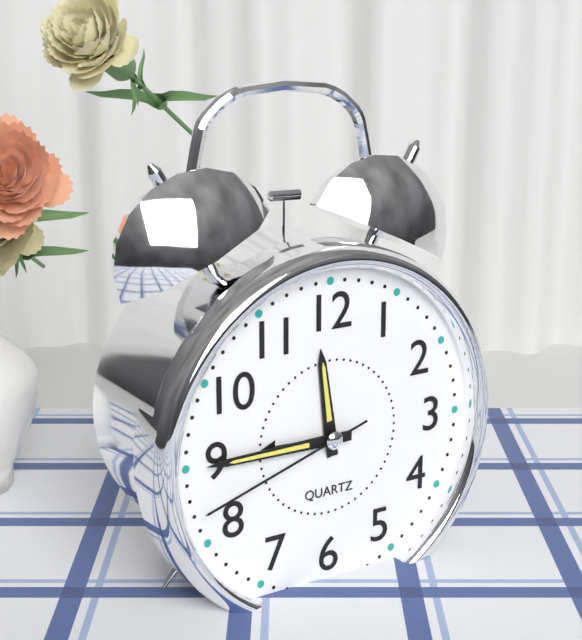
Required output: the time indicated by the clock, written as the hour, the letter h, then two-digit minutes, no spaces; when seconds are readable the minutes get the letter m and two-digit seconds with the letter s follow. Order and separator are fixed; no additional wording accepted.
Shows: 11h45m42s
